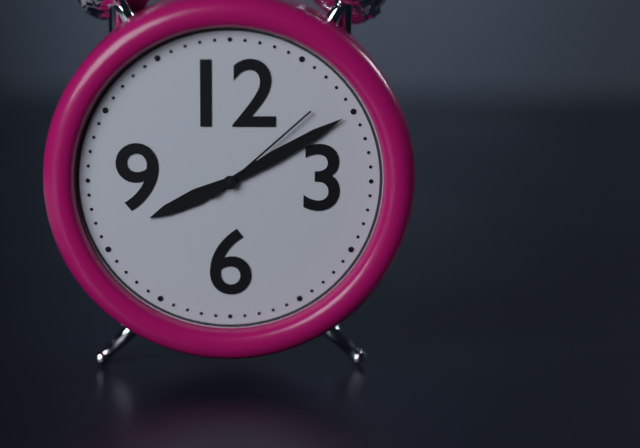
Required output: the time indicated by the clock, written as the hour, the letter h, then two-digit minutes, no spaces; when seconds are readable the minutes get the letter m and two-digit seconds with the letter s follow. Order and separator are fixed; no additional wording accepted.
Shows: 8h10m08s
